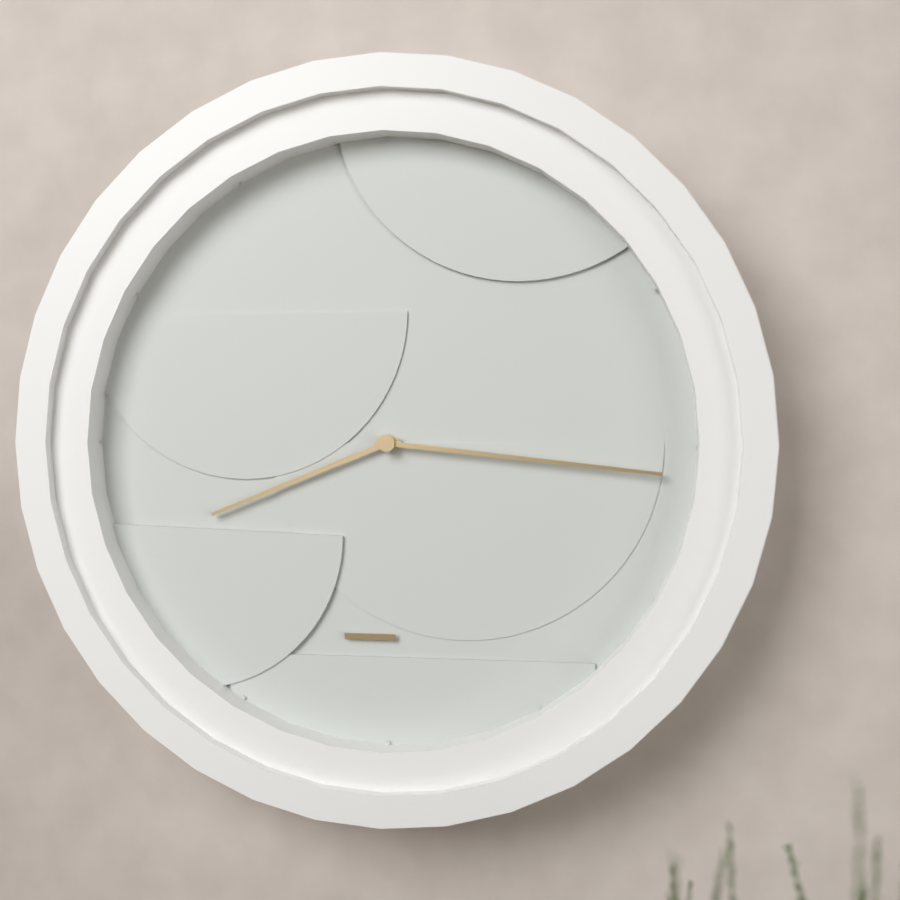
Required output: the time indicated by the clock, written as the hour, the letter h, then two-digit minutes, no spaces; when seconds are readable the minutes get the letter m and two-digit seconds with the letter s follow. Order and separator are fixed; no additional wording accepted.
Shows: 8h16
